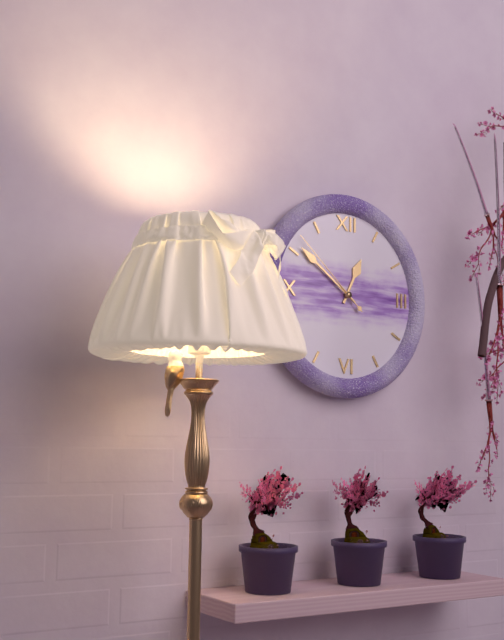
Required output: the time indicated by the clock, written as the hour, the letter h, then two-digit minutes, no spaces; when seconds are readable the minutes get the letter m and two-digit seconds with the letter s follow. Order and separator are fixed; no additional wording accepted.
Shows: 12h51m52s
